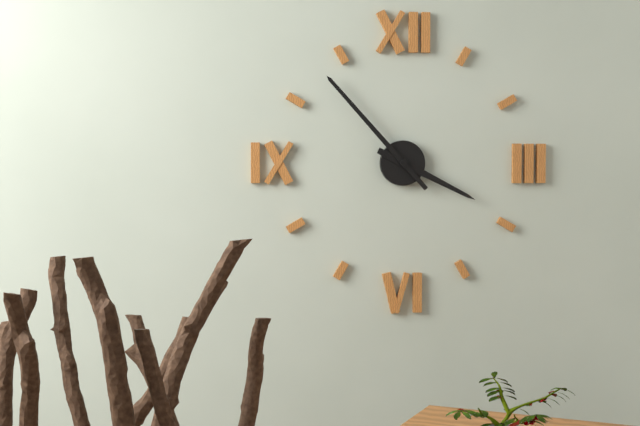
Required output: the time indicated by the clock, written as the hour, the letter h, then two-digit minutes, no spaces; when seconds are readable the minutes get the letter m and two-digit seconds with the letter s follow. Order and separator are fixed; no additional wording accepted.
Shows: 3h53
